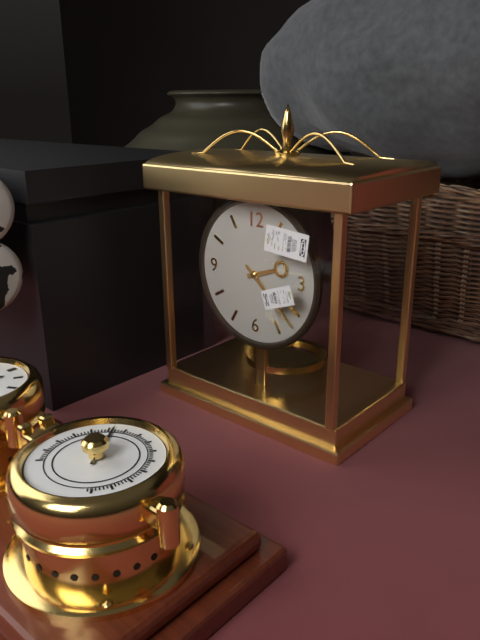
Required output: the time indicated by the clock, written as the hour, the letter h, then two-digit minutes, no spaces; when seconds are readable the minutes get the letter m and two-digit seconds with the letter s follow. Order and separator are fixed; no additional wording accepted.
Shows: 2h22
